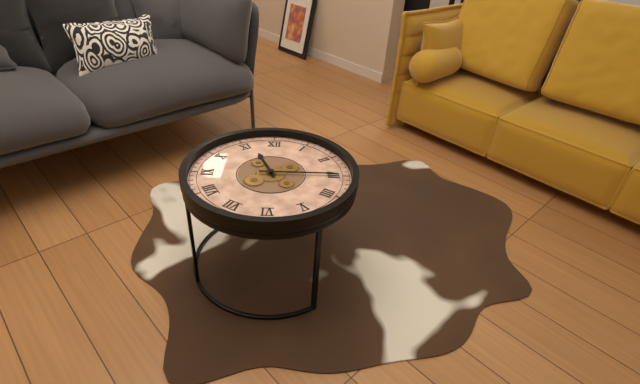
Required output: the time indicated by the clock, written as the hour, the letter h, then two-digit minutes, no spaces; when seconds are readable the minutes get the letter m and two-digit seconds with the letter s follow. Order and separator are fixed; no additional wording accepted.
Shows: 11h15
